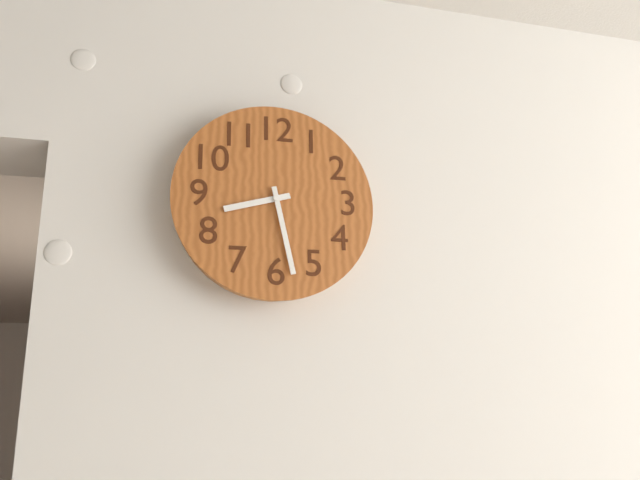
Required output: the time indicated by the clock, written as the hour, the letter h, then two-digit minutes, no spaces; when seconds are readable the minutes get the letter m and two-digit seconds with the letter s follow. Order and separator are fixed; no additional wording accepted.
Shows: 8h28
